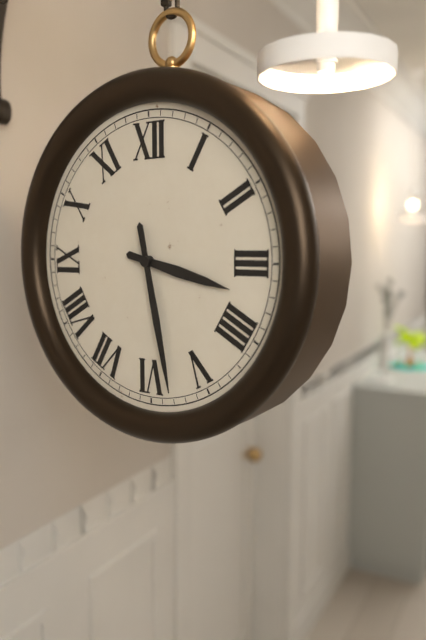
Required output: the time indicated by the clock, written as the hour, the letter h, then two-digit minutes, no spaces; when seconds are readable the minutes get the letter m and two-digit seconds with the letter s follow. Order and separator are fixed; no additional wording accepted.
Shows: 3h28
